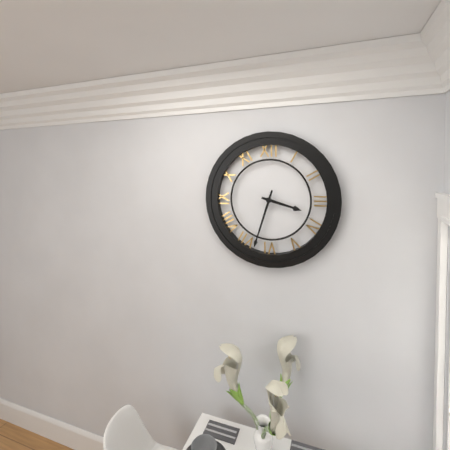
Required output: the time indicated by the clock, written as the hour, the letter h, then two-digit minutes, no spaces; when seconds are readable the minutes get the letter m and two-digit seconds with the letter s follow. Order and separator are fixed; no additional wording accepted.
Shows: 3h33
